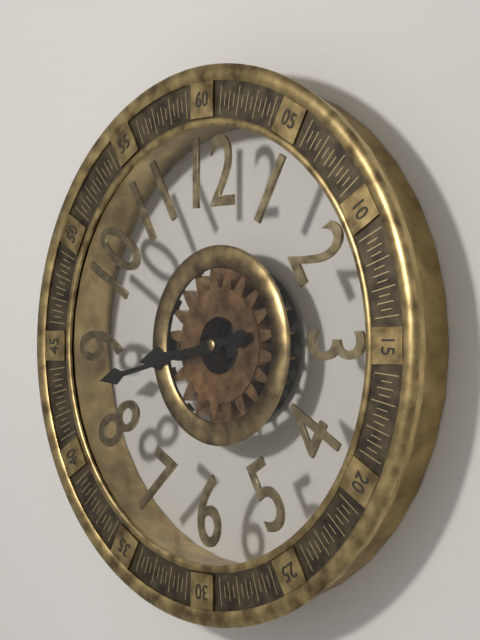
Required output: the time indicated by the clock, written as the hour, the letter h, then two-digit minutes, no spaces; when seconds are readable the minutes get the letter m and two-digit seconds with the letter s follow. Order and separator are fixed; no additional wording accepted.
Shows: 8h43
